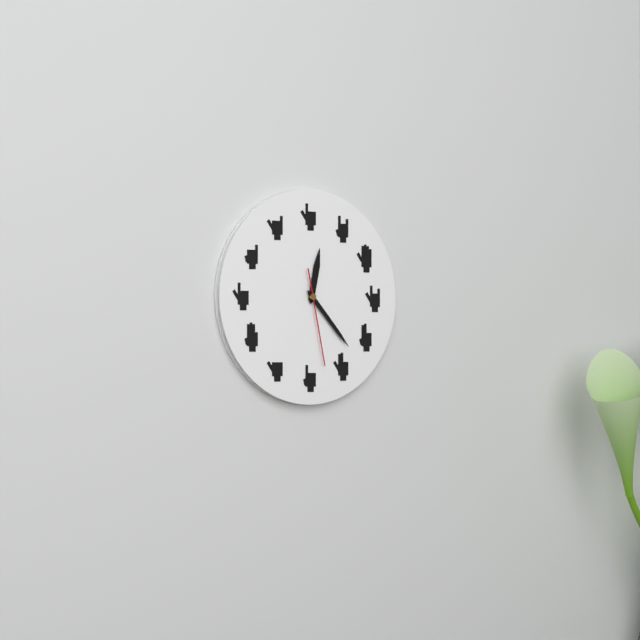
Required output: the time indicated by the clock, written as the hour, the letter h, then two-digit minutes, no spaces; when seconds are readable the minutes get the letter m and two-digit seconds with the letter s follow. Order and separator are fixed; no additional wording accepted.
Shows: 12h23m28s
